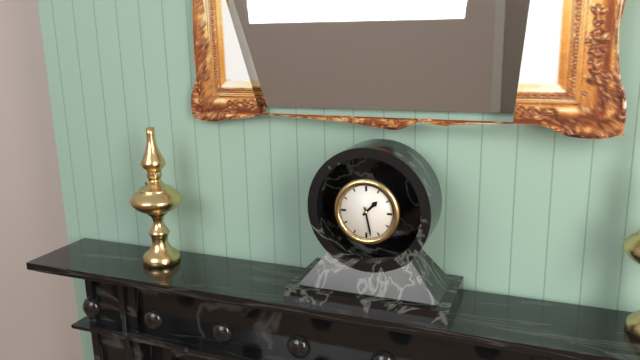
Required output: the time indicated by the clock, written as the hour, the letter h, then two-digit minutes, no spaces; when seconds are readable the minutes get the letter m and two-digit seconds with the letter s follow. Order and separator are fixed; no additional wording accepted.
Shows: 1h28
